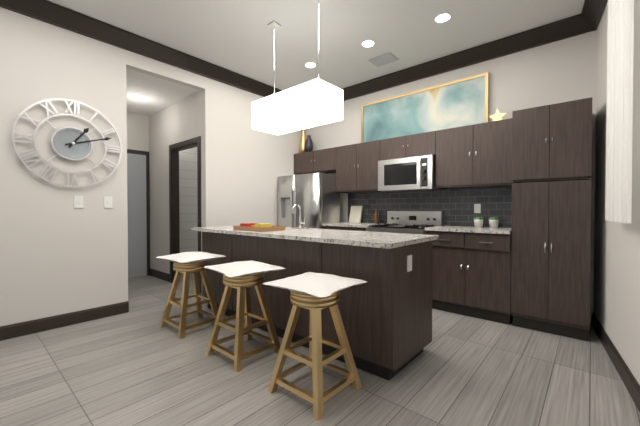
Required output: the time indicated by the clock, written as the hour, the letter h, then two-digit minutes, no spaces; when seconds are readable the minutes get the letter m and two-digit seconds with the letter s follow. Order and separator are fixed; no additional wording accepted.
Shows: 1h12
